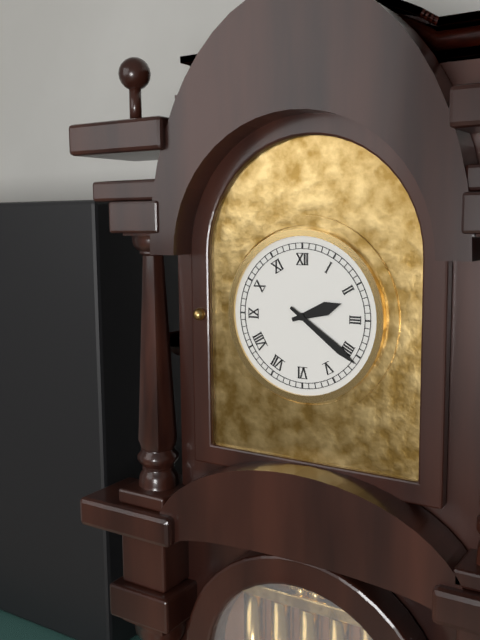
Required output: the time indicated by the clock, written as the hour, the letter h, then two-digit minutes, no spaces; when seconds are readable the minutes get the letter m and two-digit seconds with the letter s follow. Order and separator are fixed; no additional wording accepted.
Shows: 2h21
